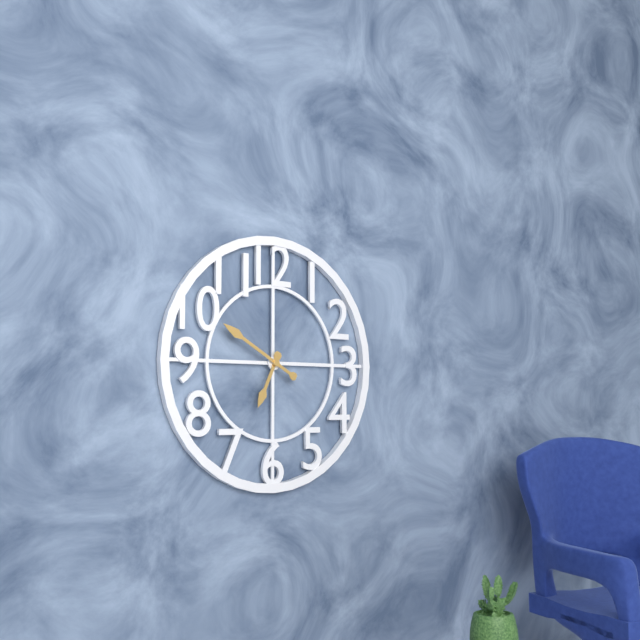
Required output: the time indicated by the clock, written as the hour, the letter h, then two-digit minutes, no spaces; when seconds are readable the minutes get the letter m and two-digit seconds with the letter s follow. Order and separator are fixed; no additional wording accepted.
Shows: 6h50
